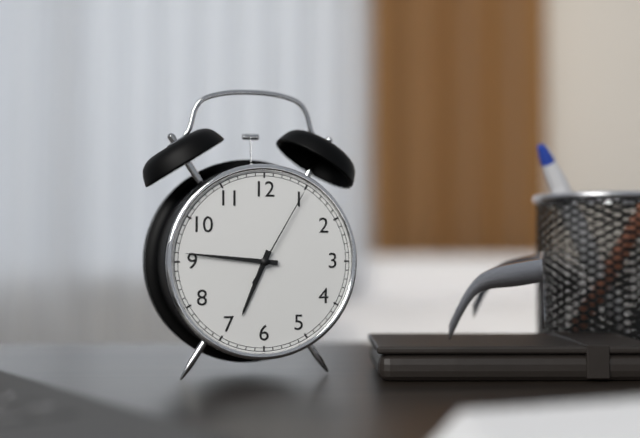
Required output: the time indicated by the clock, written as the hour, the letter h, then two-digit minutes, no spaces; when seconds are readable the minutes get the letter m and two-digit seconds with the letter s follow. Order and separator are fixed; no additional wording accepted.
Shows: 6h46m05s
